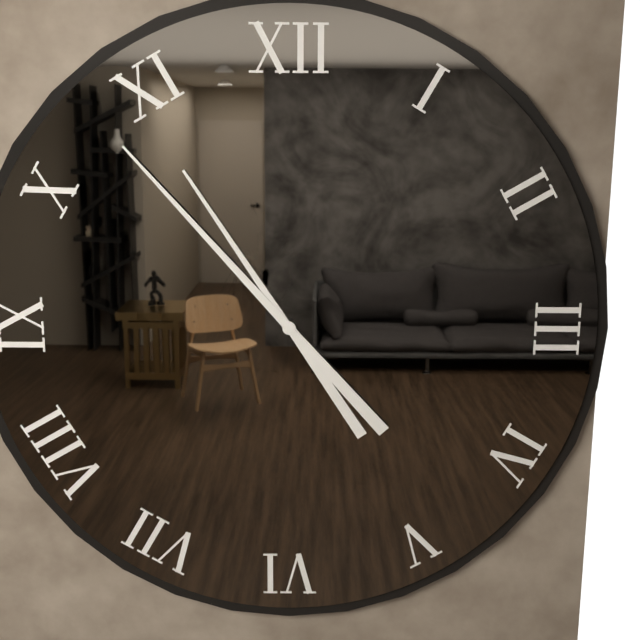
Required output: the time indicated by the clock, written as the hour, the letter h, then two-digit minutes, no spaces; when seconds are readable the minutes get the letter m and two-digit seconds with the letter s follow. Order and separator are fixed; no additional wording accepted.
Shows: 10h53
